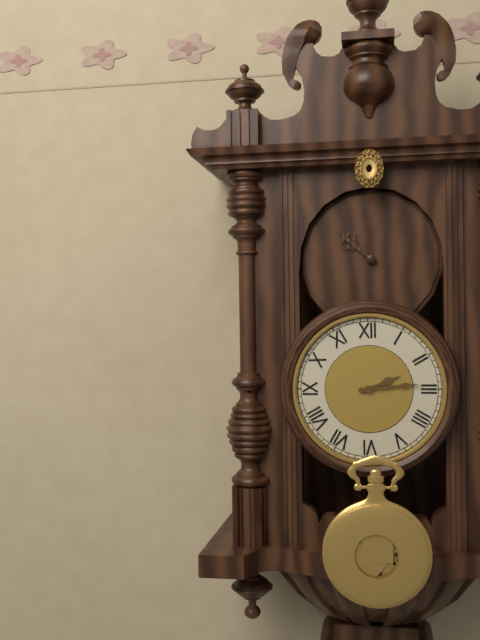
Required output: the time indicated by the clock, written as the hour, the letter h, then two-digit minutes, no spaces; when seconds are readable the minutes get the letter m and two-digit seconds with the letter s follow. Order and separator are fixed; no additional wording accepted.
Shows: 2h14
